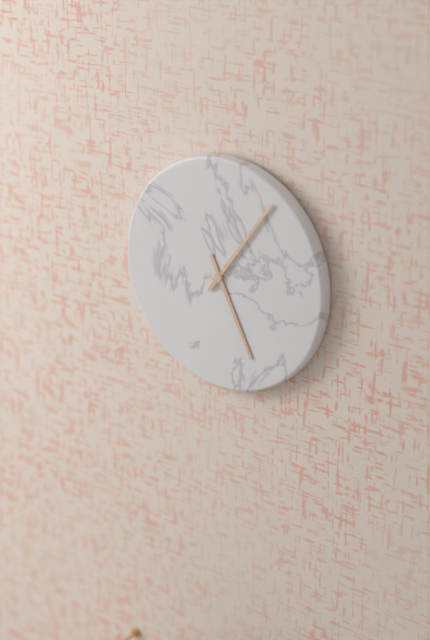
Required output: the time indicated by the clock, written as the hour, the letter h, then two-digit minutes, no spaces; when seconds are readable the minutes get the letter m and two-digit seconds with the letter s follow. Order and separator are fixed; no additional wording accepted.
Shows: 5h06
